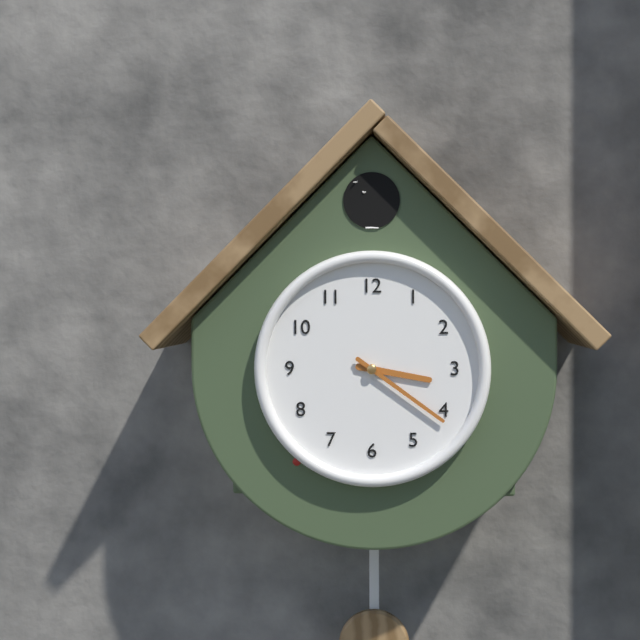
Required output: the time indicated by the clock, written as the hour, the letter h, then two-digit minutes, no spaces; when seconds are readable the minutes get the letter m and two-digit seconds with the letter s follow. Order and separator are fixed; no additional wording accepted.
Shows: 3h21
